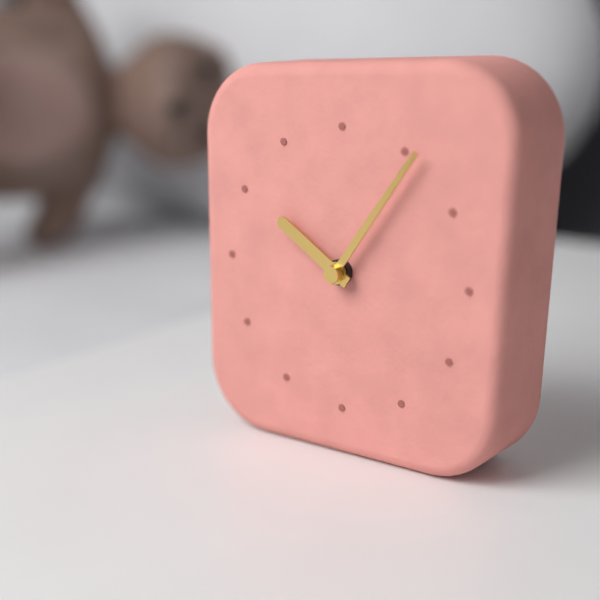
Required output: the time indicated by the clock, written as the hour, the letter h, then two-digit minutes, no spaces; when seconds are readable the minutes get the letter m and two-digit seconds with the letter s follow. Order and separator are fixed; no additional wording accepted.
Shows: 10h06
